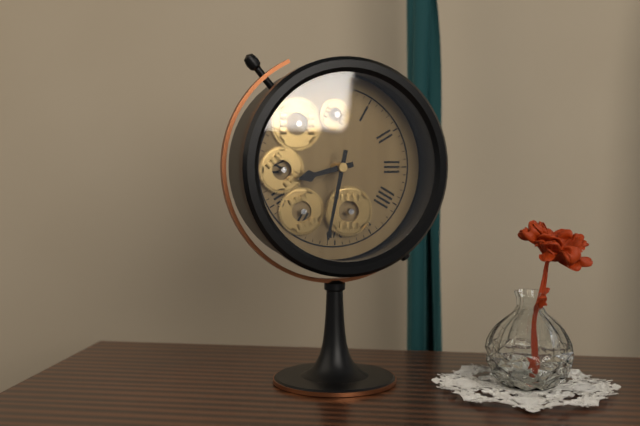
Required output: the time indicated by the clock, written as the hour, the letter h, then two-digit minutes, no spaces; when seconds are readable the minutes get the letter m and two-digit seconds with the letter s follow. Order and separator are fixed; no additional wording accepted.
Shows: 8h32
